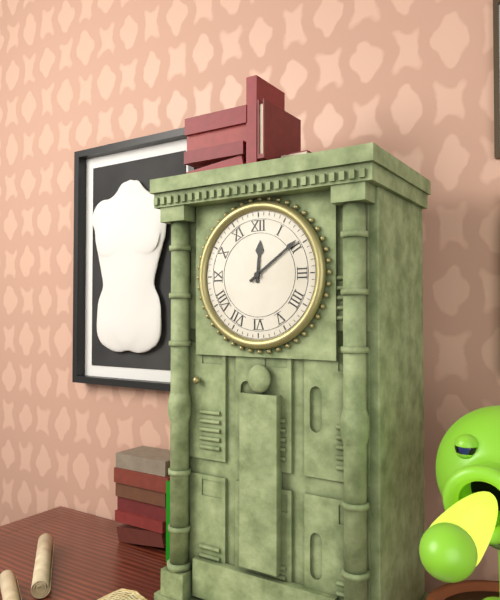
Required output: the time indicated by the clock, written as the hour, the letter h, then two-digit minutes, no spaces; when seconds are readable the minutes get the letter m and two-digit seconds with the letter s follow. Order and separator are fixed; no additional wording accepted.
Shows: 12h09
